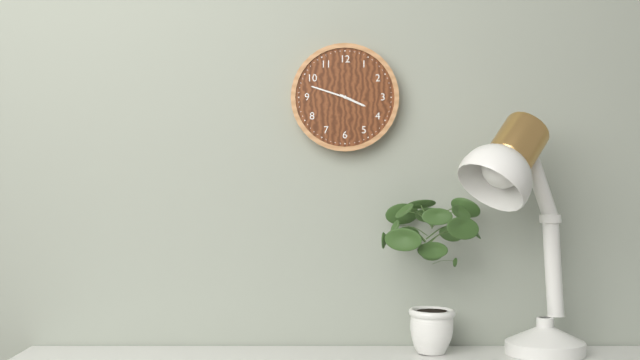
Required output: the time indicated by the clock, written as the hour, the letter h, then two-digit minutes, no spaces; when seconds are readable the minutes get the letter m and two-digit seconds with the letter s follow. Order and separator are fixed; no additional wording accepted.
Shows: 3h48
